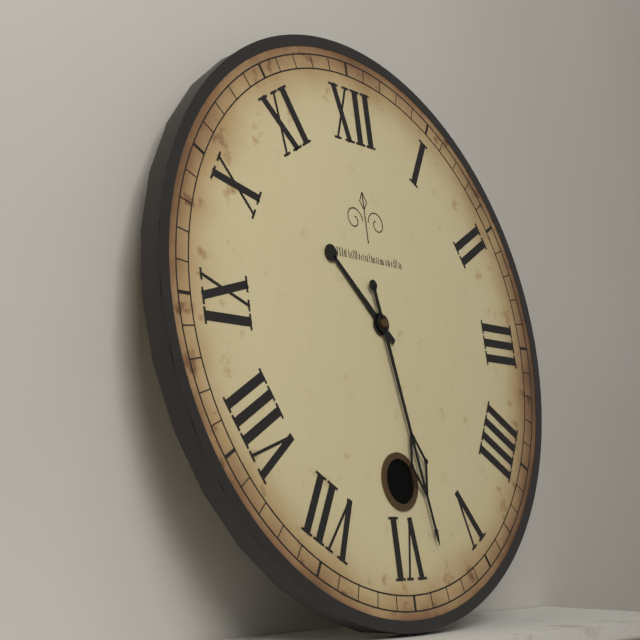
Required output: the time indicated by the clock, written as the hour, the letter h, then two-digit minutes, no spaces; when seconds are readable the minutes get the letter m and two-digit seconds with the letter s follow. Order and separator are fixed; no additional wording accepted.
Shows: 10h28
